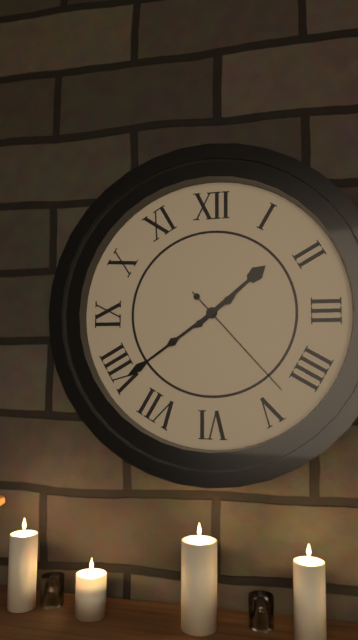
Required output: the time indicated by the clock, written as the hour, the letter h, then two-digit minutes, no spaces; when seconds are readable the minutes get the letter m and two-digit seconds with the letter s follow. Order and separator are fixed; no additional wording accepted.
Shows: 1h39m23s
